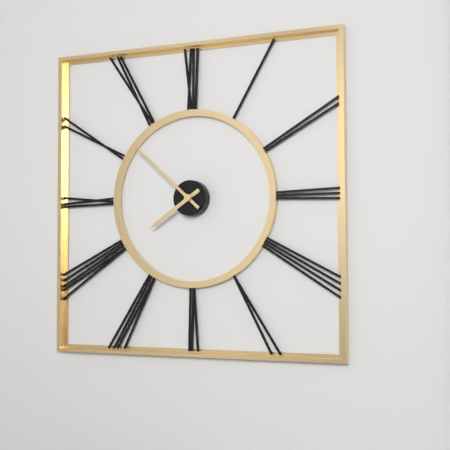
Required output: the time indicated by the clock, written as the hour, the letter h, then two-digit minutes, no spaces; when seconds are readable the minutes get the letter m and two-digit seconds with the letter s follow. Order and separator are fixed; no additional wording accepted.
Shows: 7h52
